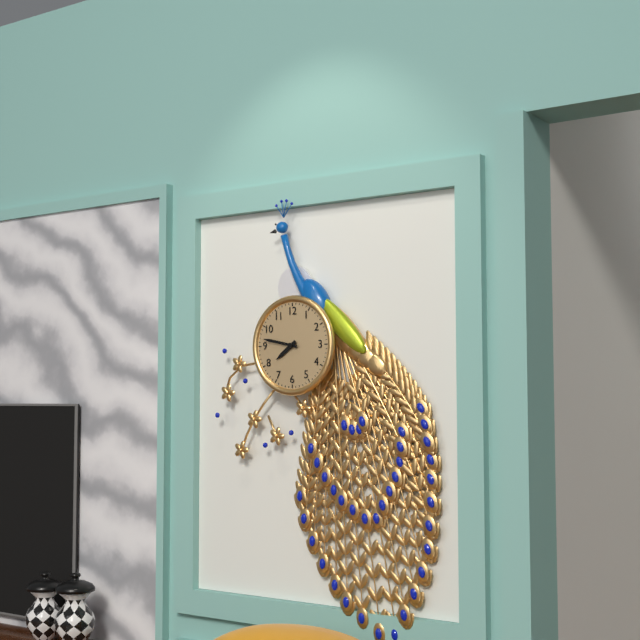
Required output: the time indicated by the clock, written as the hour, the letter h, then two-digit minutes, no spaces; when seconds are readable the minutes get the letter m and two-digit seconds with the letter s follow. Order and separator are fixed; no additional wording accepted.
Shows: 7h47
